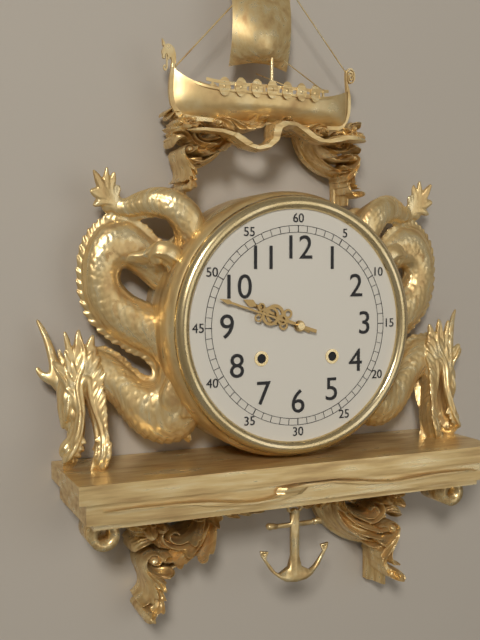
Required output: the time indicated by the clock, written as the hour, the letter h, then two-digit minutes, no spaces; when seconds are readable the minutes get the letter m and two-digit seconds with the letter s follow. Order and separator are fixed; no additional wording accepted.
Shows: 9h48
